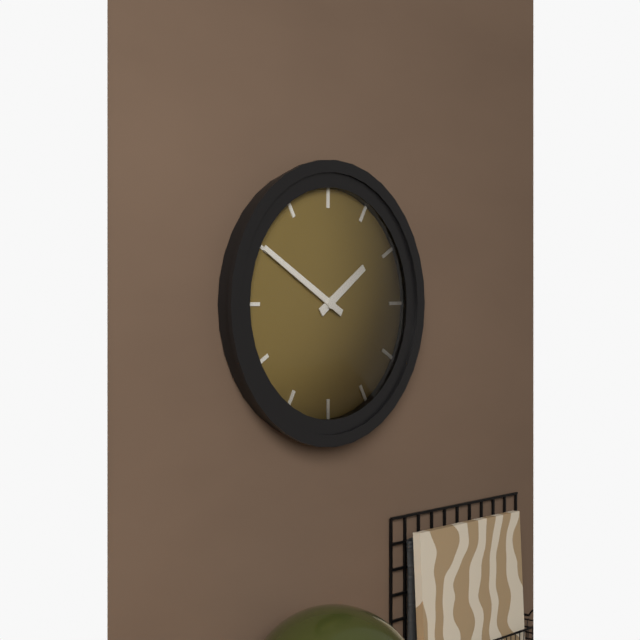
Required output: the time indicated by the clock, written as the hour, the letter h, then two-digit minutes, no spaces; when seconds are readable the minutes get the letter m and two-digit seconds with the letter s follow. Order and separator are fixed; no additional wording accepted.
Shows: 1h50
